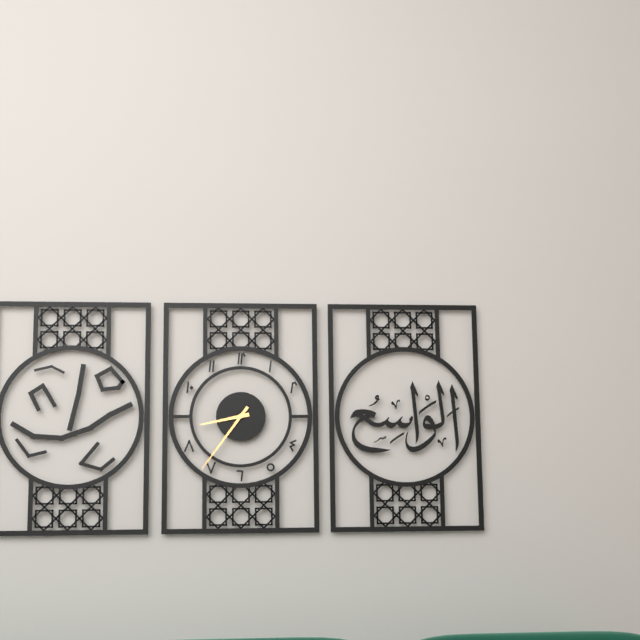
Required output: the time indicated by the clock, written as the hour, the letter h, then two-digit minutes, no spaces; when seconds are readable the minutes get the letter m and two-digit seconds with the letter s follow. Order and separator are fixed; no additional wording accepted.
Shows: 8h36
